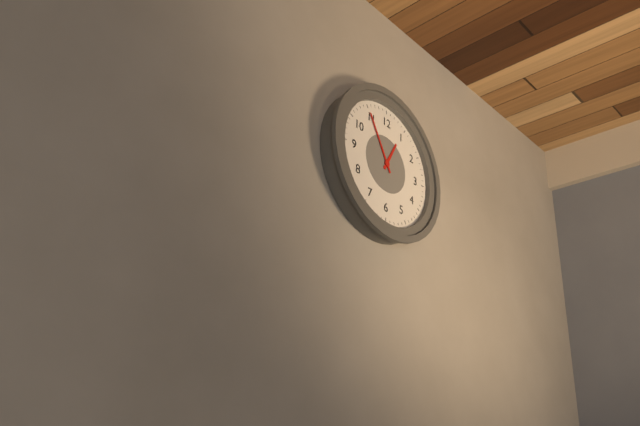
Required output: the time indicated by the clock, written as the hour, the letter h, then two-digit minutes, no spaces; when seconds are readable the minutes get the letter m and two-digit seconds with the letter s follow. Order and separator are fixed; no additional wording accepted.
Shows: 12h55
